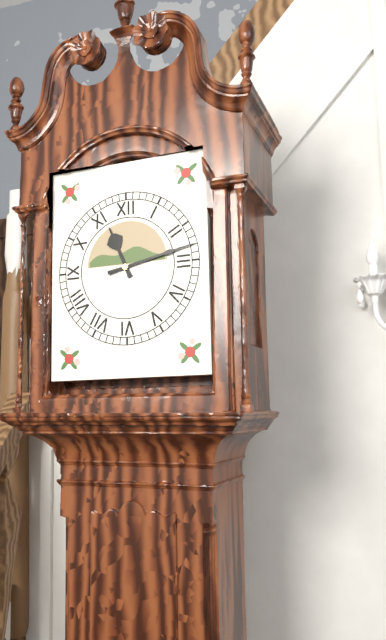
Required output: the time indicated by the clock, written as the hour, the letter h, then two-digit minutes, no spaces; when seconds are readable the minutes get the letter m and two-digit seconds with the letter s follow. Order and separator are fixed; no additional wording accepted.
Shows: 11h13
